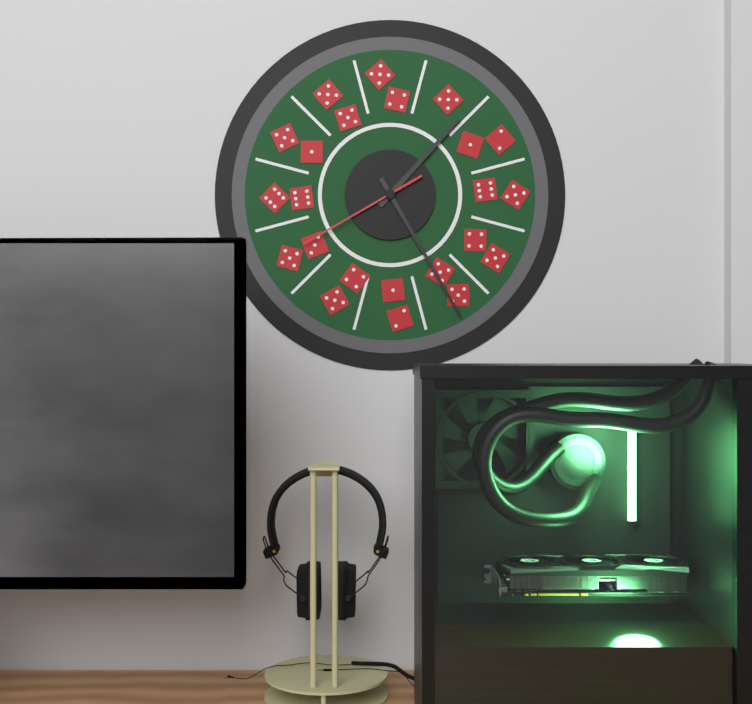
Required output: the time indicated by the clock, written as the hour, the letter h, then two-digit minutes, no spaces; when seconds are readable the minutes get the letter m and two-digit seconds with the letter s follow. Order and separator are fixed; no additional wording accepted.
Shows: 1h25m40s
